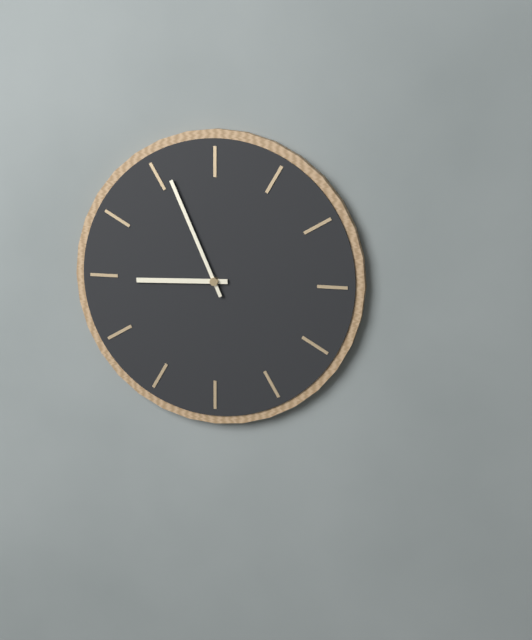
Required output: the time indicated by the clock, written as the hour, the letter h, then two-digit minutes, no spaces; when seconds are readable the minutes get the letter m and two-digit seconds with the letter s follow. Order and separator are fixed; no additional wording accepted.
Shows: 8h56
